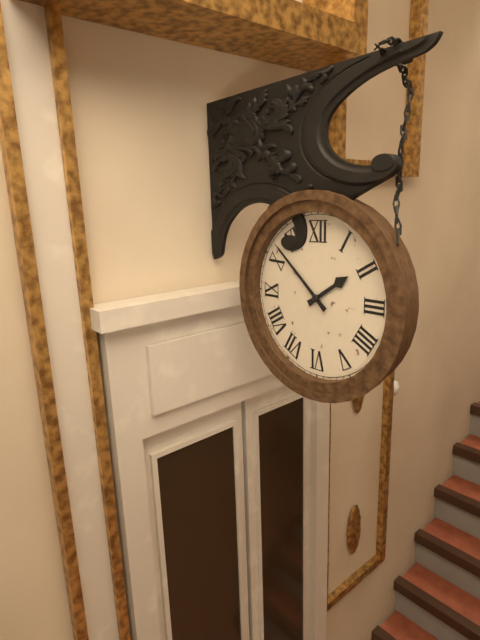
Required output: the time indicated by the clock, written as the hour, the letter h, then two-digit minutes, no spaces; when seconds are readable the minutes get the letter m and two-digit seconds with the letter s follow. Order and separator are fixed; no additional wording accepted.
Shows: 1h52
